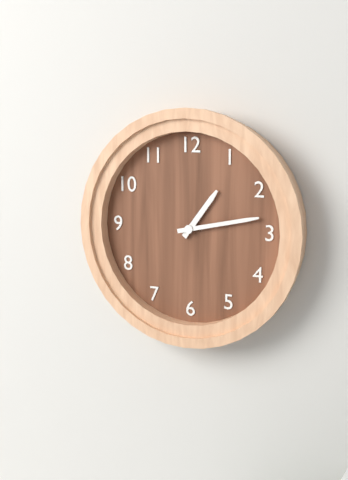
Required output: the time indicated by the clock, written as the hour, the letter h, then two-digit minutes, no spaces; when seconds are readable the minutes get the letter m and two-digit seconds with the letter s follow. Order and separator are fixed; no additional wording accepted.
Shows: 1h13
